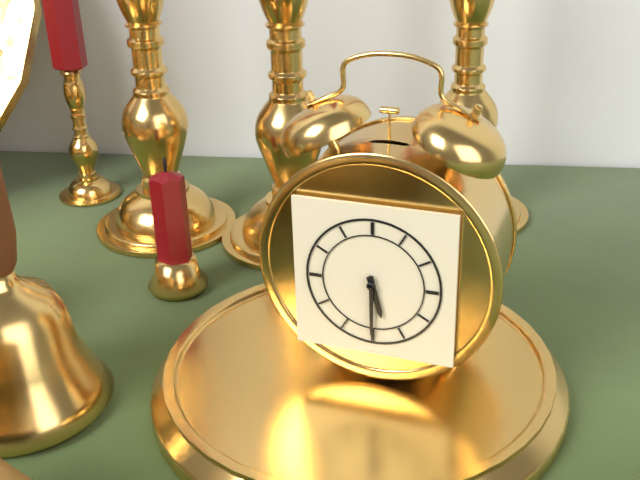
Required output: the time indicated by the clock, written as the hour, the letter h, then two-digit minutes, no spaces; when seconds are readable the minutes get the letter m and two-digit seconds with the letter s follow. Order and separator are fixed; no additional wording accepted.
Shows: 5h30
